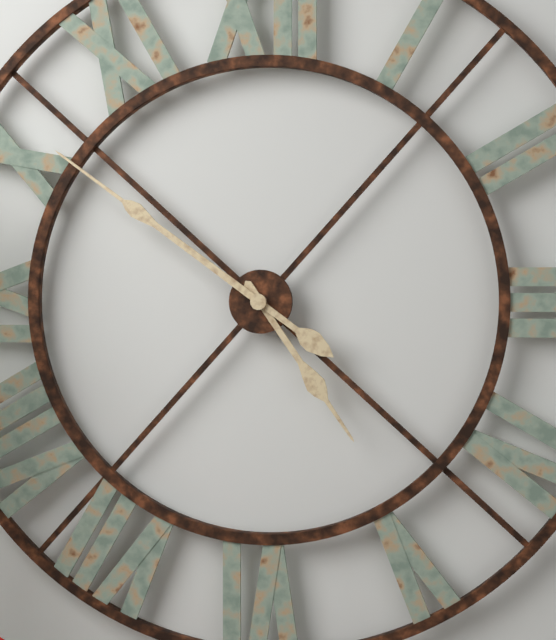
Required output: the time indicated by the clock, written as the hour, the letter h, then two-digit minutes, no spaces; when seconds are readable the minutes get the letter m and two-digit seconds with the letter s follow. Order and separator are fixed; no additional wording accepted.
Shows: 4h51
